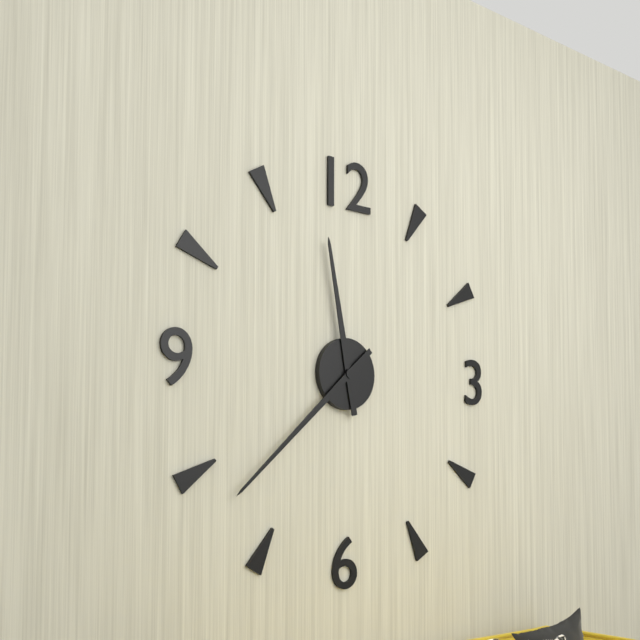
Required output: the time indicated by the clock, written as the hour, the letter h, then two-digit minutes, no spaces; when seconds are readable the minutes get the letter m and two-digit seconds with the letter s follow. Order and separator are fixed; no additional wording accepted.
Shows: 11h38
